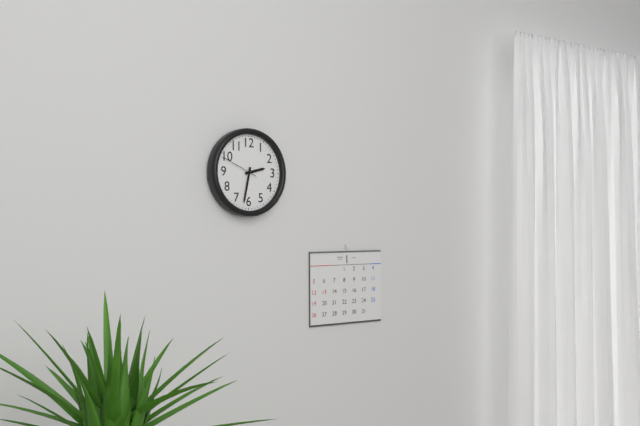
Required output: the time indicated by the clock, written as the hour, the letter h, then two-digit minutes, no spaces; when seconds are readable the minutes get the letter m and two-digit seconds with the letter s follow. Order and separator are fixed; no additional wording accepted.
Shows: 2h32
